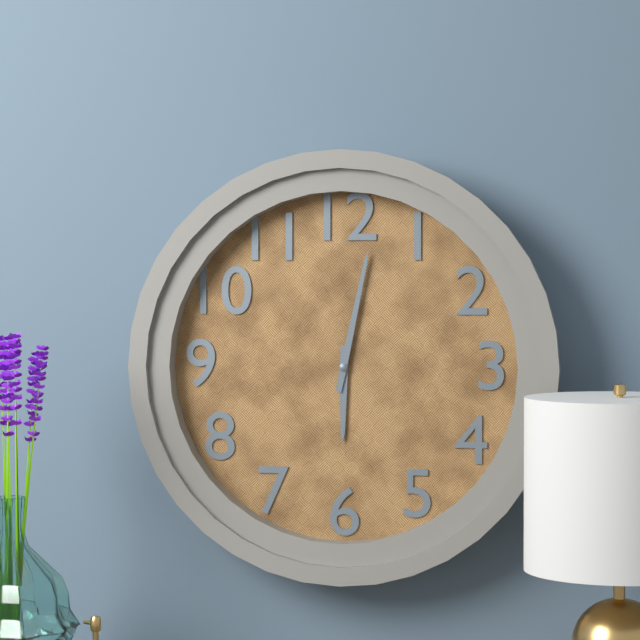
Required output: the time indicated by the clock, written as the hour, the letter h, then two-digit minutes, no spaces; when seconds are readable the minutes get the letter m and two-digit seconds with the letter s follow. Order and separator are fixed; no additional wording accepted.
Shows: 6h02
